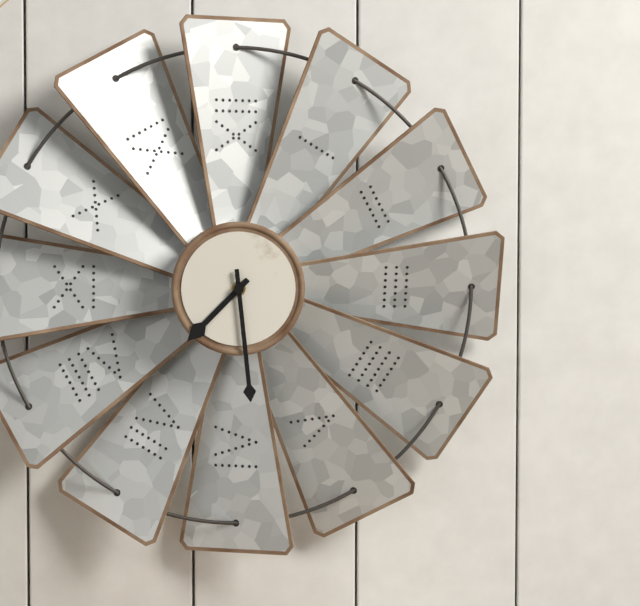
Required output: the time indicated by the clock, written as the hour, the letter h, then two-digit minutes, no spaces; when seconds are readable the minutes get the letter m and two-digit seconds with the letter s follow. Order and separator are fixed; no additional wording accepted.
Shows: 7h29
